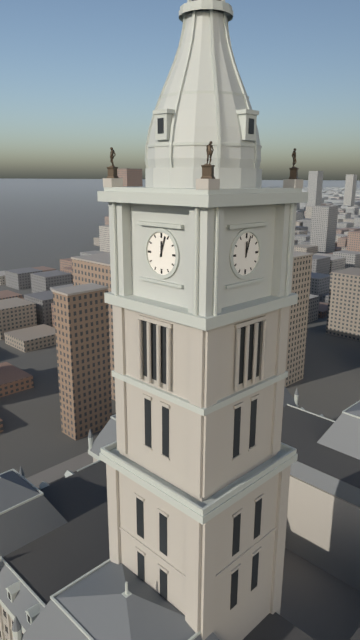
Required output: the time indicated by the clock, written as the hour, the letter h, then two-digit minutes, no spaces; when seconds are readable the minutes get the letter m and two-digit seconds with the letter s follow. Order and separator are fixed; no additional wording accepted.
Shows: 12h03
